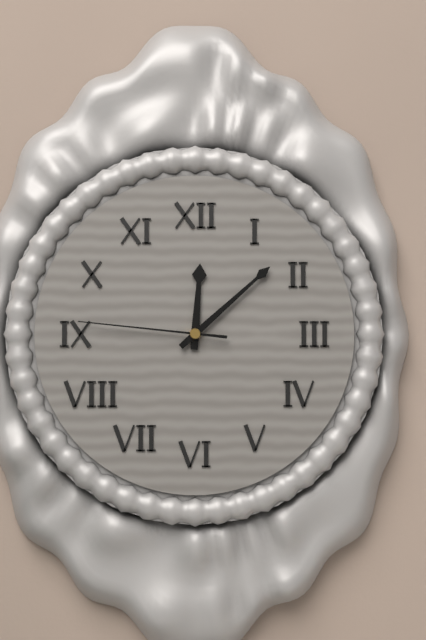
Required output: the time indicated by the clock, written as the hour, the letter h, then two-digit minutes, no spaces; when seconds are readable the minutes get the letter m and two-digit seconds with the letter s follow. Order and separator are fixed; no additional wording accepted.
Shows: 12h08m46s
